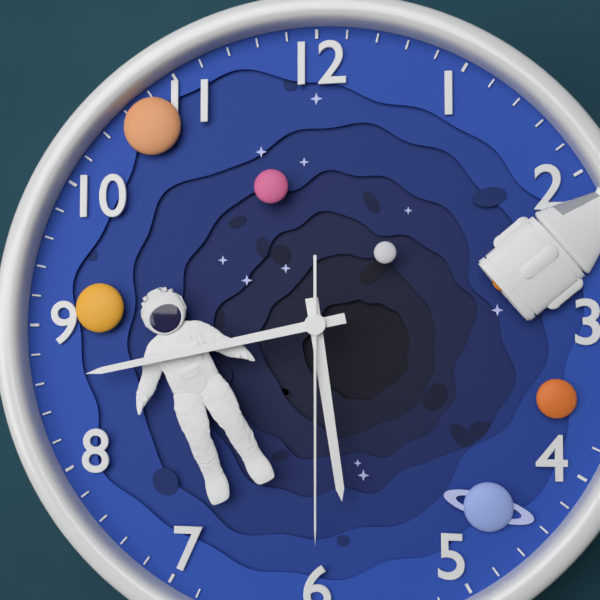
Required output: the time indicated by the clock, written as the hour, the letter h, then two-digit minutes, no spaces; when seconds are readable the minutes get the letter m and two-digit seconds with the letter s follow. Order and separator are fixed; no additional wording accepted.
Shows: 5h43m30s
